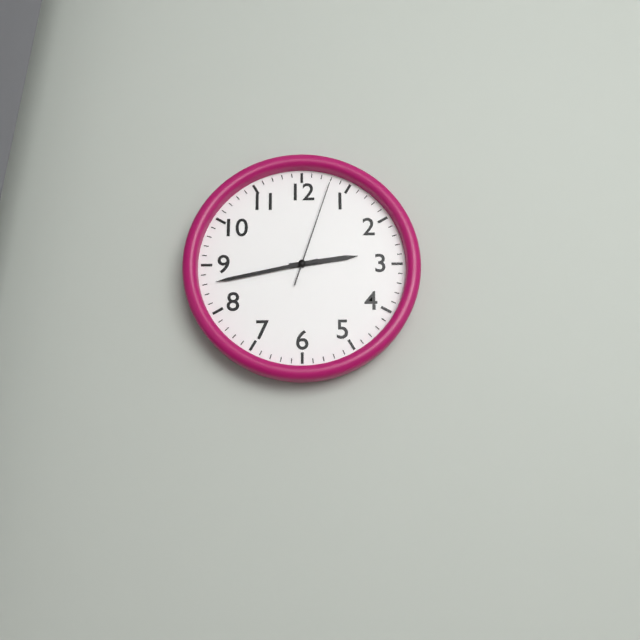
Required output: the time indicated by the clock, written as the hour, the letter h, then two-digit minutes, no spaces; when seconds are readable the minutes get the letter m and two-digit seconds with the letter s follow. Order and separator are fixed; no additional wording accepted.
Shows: 2h43m03s
